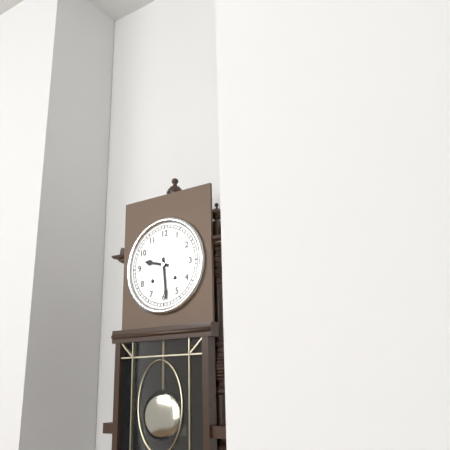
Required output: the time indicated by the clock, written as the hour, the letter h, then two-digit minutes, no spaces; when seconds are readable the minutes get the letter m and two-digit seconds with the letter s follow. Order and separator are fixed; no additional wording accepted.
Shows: 9h29
